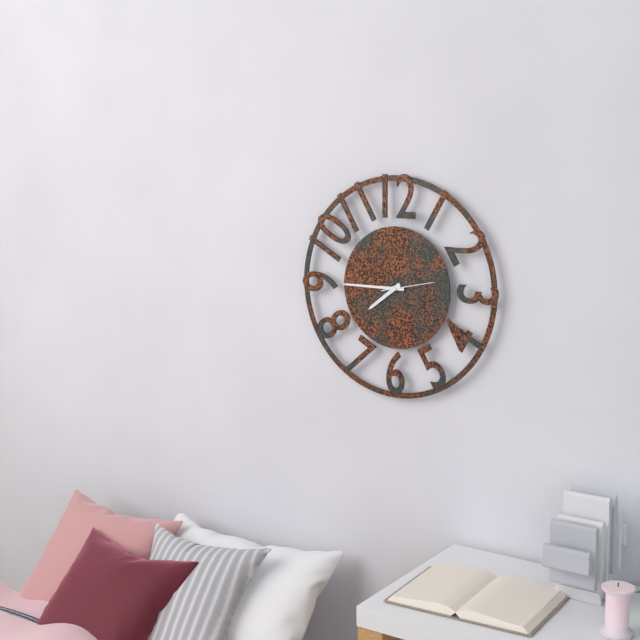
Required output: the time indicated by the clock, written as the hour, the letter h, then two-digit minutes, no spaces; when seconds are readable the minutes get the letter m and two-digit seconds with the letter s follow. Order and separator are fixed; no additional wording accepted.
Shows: 7h45
